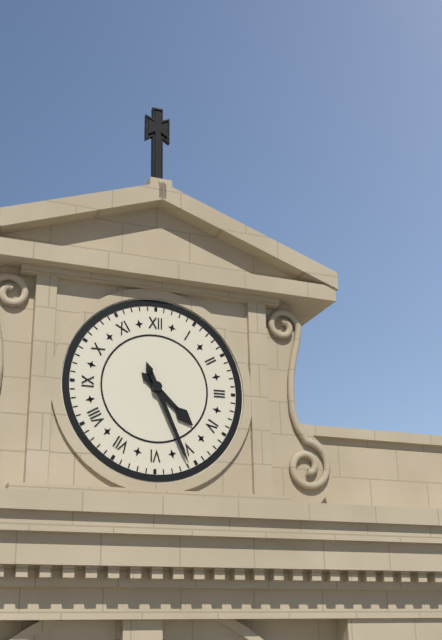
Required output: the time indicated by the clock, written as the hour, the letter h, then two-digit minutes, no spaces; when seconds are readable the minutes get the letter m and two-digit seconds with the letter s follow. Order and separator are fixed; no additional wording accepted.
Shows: 4h26
